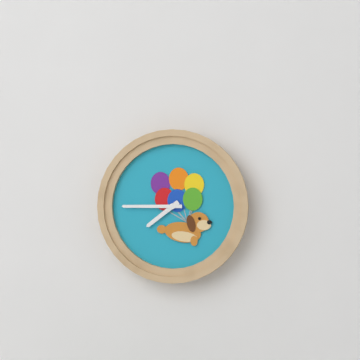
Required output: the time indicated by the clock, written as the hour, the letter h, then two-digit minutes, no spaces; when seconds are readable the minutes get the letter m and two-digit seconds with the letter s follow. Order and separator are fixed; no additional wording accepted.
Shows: 7h45
